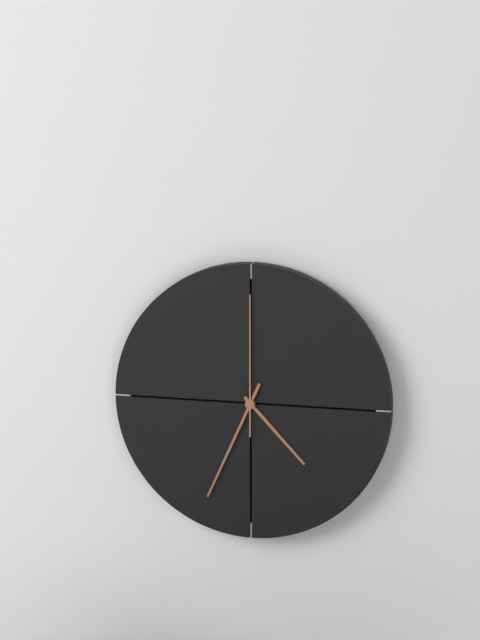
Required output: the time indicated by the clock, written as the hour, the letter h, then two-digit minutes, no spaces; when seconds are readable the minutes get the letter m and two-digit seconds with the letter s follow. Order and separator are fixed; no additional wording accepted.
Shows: 4h34m00s
